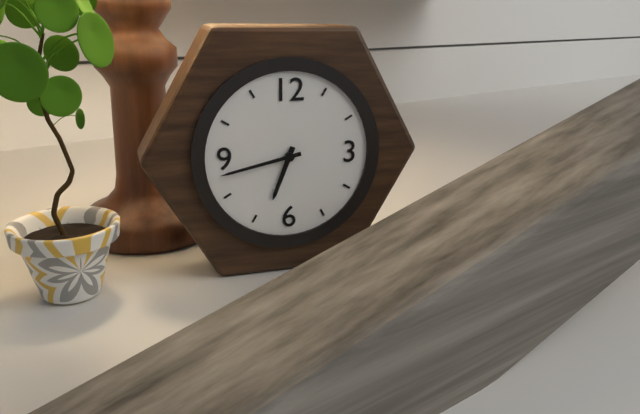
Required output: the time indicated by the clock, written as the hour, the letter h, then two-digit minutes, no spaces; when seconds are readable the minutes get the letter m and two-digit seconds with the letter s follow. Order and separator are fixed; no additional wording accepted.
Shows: 6h43
